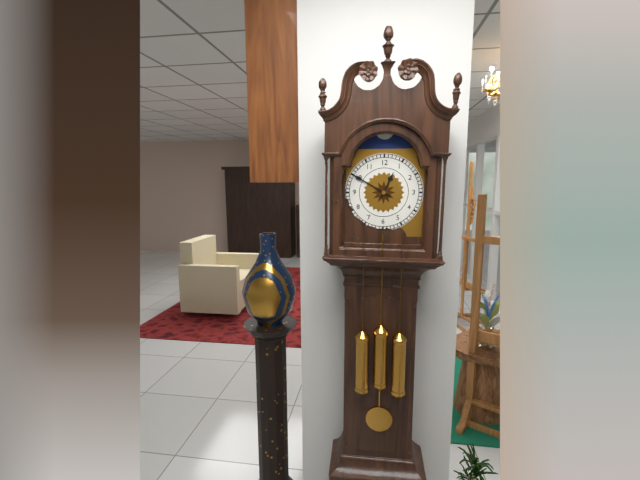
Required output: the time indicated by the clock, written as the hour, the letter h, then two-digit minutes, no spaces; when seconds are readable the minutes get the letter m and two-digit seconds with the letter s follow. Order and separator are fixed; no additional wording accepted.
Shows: 12h50
